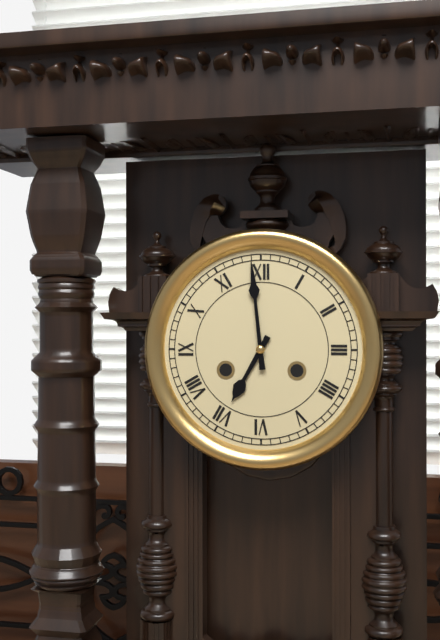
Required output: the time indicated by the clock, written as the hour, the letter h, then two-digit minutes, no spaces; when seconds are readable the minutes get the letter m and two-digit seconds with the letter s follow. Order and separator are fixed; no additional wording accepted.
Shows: 6h59
